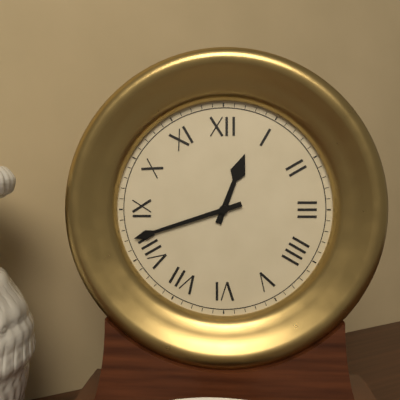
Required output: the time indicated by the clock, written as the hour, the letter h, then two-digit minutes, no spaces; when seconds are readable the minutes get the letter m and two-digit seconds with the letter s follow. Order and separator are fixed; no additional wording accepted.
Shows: 12h42
